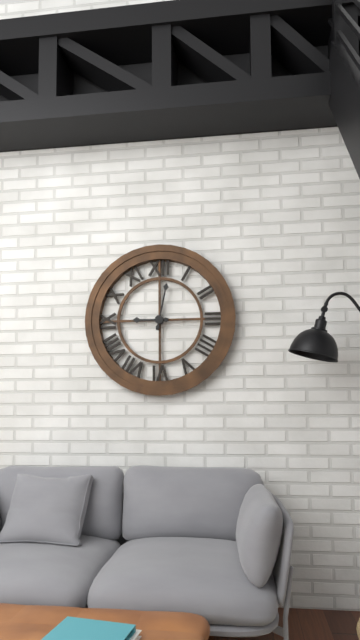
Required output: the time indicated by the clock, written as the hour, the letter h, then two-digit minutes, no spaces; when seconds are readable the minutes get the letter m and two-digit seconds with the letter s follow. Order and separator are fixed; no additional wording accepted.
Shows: 9h02
